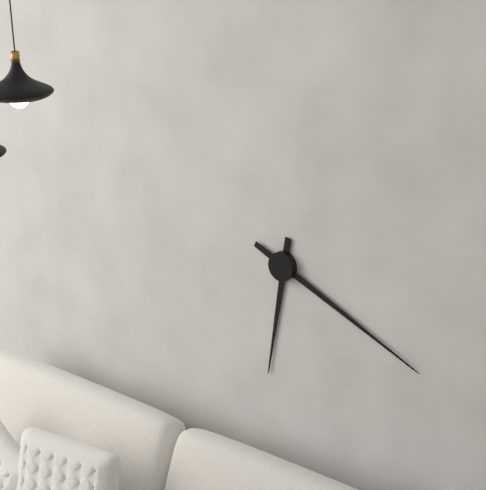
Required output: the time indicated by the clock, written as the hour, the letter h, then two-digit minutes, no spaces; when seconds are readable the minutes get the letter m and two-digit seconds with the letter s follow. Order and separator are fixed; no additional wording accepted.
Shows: 6h19
